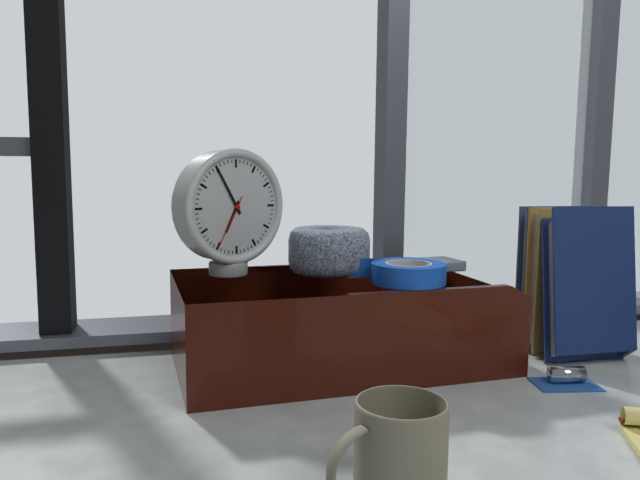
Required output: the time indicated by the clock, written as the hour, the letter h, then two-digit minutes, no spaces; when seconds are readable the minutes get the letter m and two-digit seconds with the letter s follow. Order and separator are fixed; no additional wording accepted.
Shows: 6h55m35s
